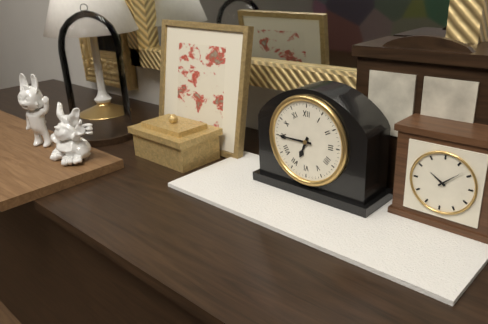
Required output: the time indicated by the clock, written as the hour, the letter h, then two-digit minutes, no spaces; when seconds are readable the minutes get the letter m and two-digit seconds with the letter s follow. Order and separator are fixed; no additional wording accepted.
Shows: 6h45
